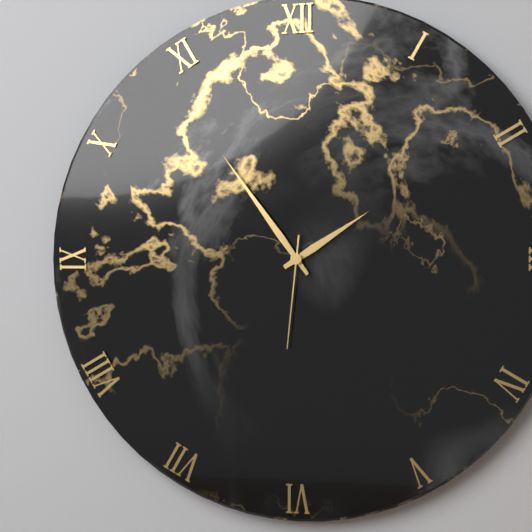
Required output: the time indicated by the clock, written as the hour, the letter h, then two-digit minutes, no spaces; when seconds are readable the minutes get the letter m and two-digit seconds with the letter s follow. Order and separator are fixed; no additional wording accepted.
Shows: 1h54m31s
